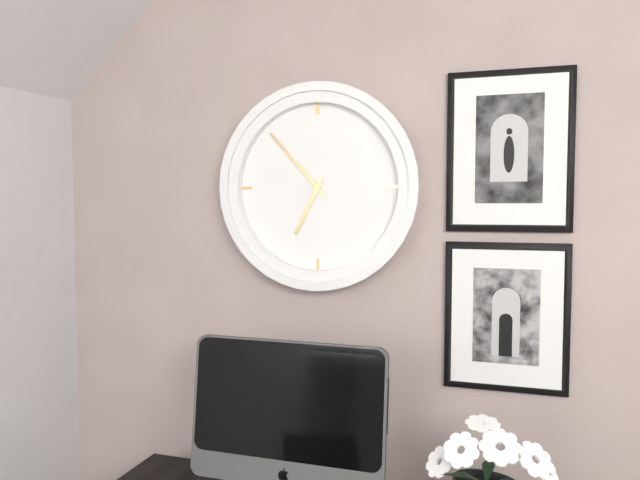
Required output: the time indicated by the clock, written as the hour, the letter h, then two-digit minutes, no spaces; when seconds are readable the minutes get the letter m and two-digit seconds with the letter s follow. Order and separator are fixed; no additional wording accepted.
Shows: 6h53
